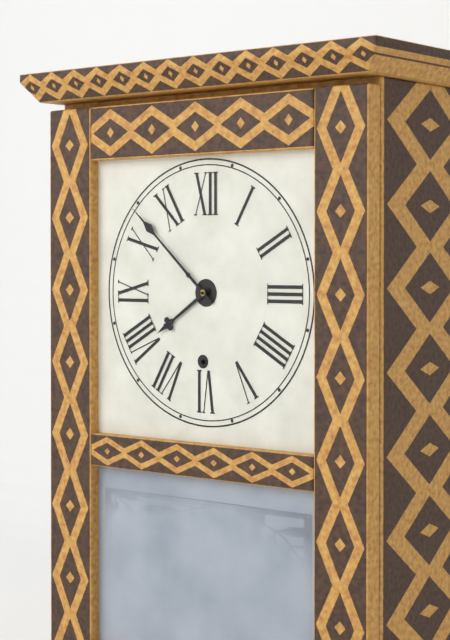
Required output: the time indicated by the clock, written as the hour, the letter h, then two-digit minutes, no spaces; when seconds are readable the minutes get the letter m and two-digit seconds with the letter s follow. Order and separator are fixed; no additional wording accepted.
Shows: 7h52
